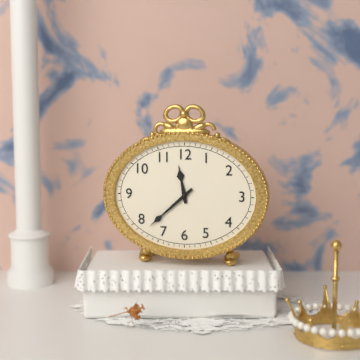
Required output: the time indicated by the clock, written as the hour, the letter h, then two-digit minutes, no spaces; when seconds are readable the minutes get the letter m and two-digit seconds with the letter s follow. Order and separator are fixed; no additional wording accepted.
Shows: 11h38
